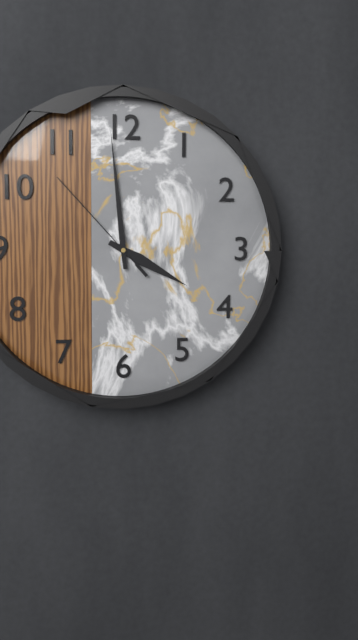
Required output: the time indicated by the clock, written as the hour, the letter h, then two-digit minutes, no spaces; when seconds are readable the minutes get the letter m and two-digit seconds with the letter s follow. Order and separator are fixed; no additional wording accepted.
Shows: 3h59m53s
